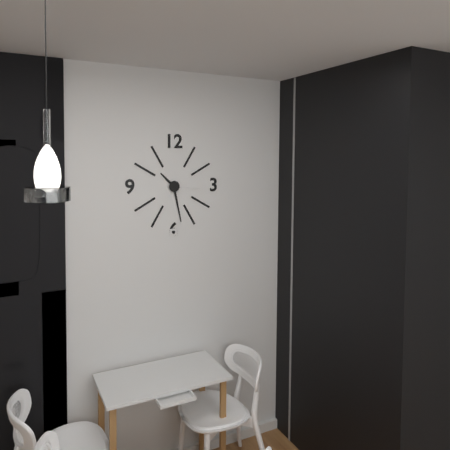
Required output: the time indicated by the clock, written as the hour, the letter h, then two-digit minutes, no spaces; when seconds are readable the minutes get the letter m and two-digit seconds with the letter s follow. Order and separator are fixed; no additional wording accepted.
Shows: 10h28
